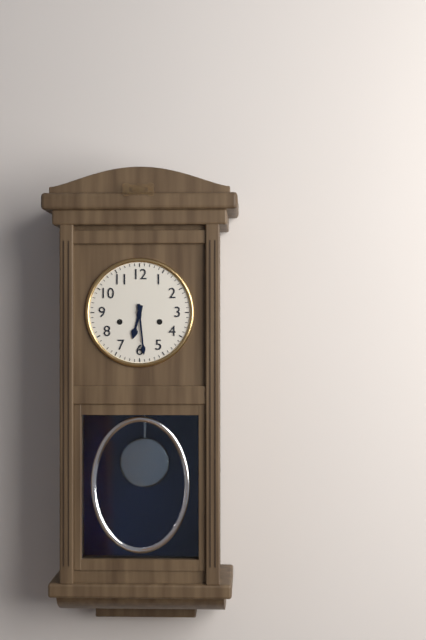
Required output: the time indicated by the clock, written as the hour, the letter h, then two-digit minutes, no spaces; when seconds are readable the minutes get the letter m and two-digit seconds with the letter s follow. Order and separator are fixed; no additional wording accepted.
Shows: 6h29
